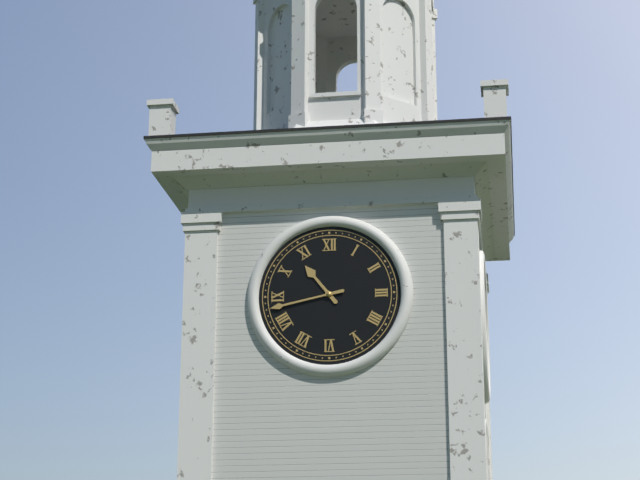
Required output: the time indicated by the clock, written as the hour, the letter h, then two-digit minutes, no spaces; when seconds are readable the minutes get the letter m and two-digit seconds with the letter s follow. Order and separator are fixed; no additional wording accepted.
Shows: 10h43
